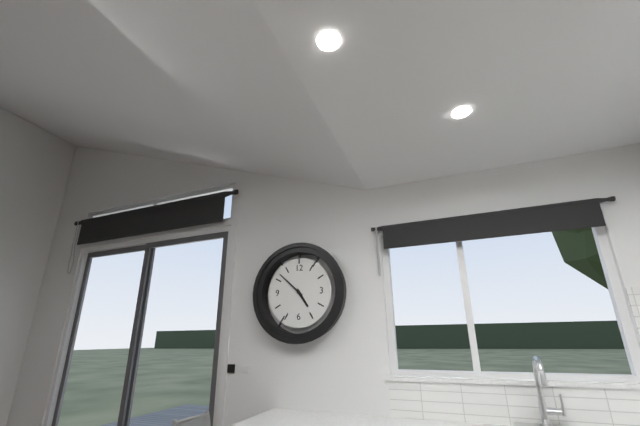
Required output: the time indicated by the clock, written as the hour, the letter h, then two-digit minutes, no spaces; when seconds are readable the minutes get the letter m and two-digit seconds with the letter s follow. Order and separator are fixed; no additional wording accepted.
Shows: 4h52
